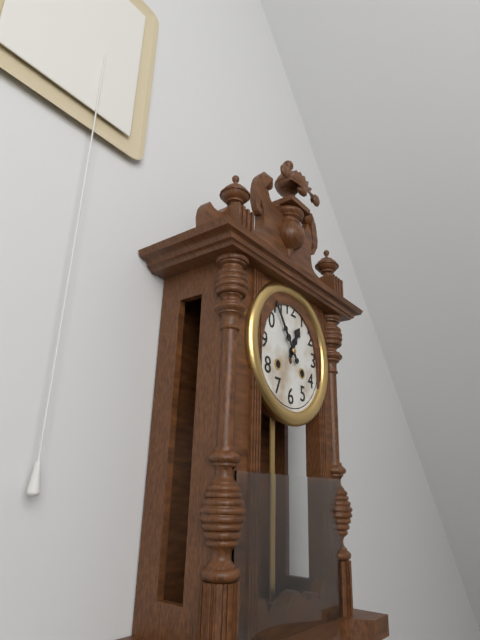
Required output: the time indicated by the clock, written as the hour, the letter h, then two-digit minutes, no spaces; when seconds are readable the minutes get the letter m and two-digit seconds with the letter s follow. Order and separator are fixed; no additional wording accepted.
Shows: 12h54
